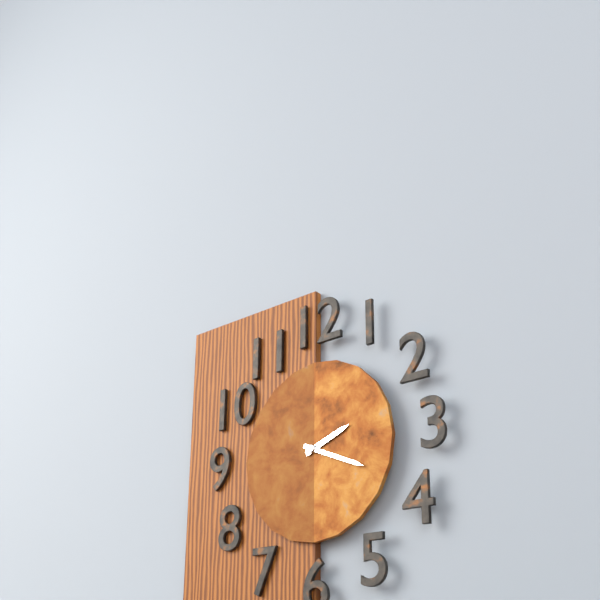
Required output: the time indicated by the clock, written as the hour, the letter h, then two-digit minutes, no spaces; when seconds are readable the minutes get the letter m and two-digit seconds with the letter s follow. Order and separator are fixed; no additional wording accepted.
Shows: 2h19
